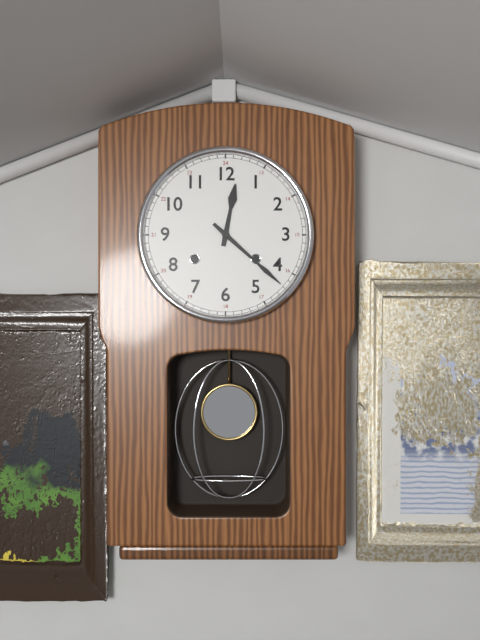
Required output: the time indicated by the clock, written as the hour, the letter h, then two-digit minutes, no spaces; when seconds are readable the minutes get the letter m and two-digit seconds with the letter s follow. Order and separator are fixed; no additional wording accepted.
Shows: 12h22
